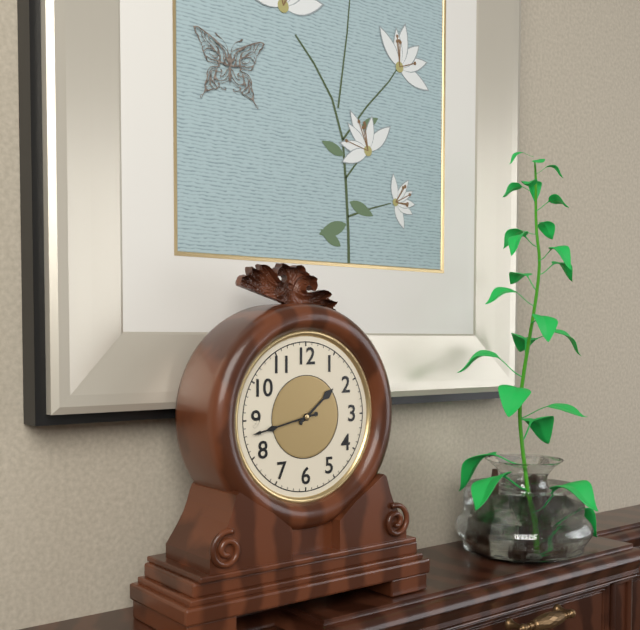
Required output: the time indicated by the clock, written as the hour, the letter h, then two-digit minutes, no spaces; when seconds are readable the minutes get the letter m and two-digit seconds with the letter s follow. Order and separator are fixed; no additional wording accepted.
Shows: 1h43
